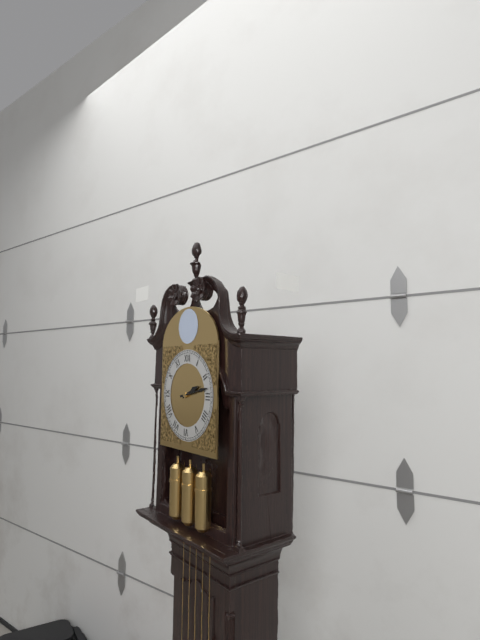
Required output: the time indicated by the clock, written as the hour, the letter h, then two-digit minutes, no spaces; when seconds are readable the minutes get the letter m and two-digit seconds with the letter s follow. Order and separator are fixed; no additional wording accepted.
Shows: 2h13
